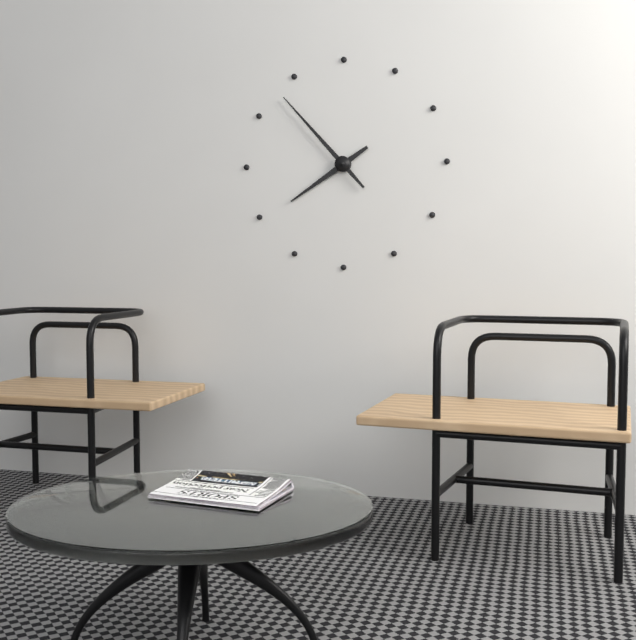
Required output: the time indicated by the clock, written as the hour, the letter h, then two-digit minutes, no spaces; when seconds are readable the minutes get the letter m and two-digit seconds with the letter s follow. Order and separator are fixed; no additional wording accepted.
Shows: 7h53
